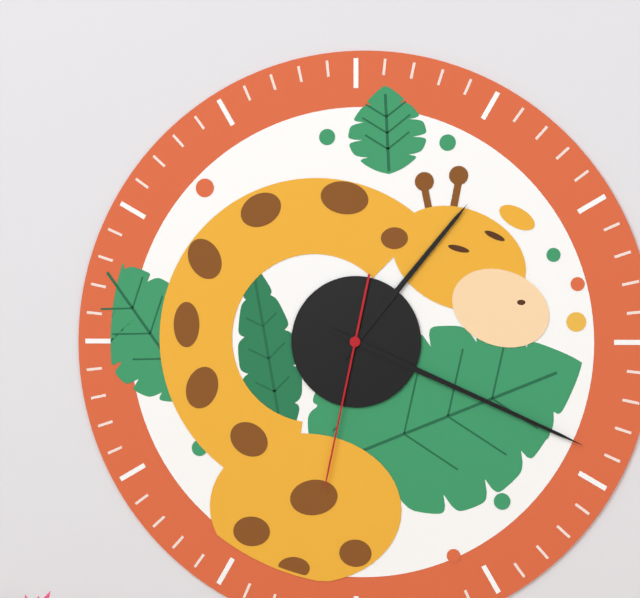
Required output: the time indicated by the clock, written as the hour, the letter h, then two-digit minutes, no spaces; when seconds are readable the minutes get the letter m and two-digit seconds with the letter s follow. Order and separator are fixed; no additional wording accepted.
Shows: 1h19m32s
